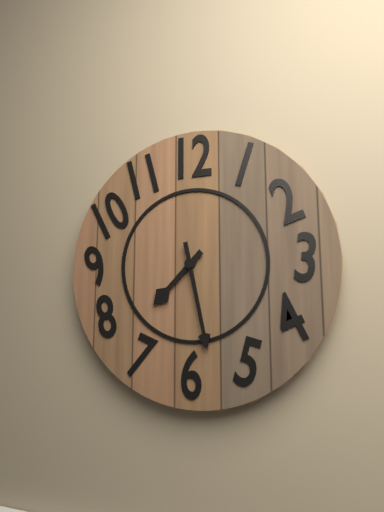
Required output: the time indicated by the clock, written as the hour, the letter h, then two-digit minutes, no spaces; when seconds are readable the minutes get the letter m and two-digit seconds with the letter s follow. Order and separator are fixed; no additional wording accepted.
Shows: 7h28
